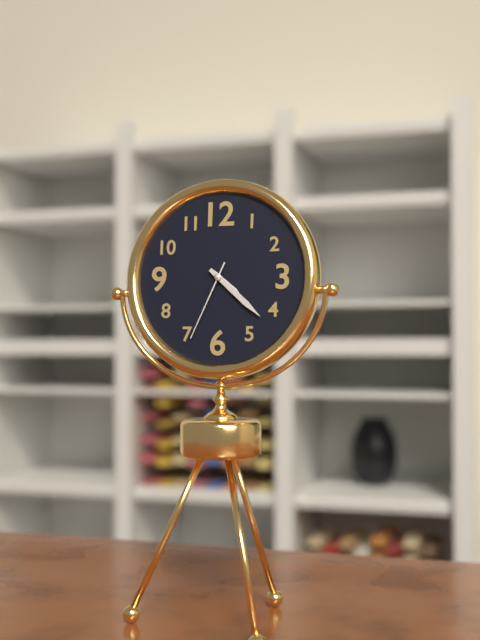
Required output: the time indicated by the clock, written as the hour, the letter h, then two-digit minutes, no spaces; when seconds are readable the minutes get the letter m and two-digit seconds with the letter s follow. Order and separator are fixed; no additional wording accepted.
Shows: 4h22m34s
